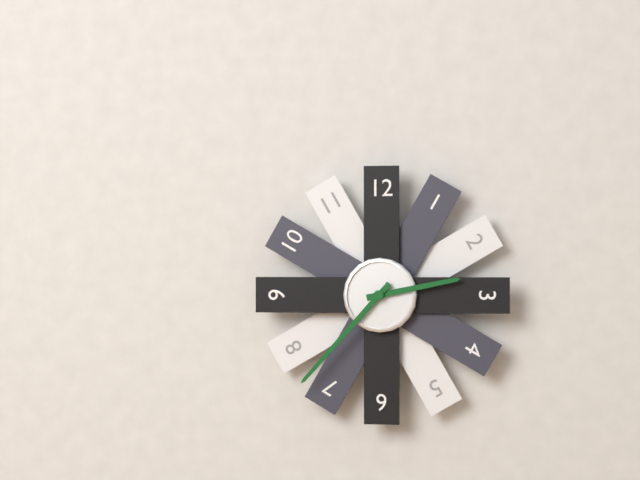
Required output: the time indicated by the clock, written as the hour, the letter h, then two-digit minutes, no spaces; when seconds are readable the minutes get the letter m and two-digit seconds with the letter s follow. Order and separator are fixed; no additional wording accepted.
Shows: 2h37
